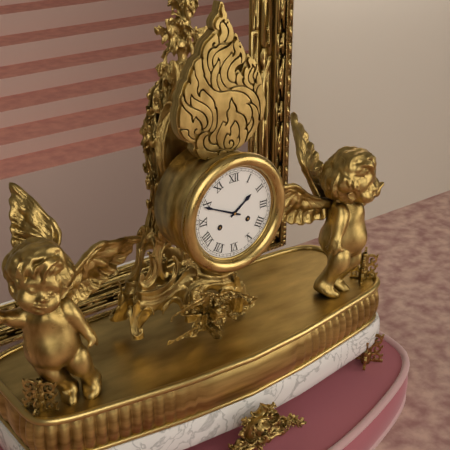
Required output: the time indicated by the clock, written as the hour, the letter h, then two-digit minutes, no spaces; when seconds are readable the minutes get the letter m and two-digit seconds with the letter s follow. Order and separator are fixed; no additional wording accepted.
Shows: 1h49
